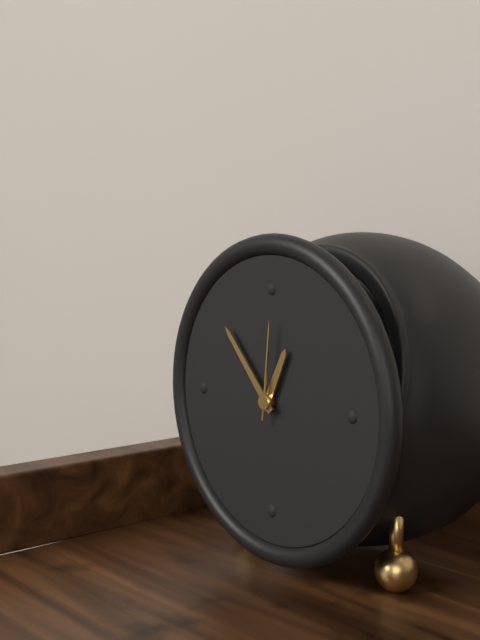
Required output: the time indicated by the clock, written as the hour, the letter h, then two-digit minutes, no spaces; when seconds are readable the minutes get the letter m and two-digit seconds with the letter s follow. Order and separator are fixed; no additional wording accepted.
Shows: 12h53m01s
